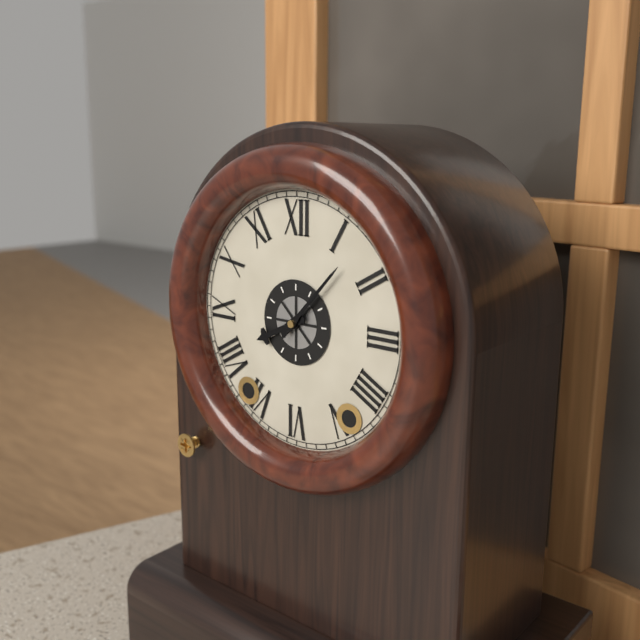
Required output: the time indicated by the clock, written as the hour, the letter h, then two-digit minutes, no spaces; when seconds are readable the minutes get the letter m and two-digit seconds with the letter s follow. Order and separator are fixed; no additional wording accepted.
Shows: 8h07
